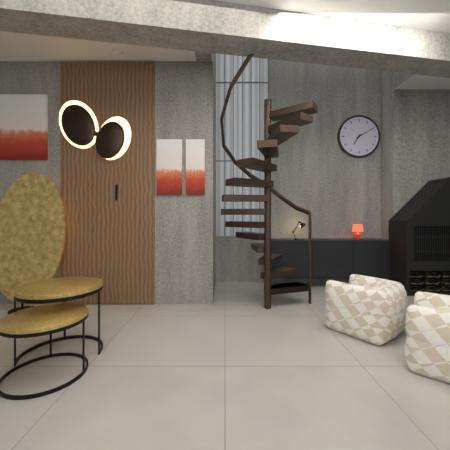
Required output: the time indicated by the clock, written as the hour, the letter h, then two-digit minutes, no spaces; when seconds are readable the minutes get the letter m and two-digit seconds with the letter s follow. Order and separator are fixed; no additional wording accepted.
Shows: 7h10
